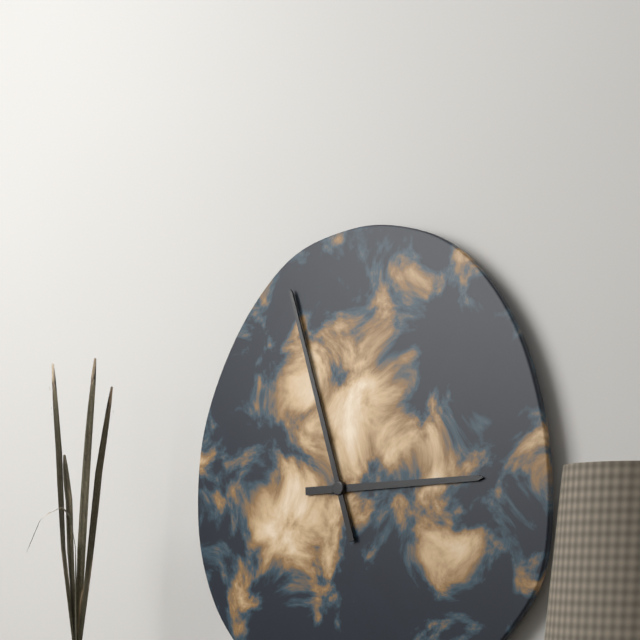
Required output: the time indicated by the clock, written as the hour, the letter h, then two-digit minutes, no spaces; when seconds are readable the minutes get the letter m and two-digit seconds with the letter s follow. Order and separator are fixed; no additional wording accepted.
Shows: 2h57
